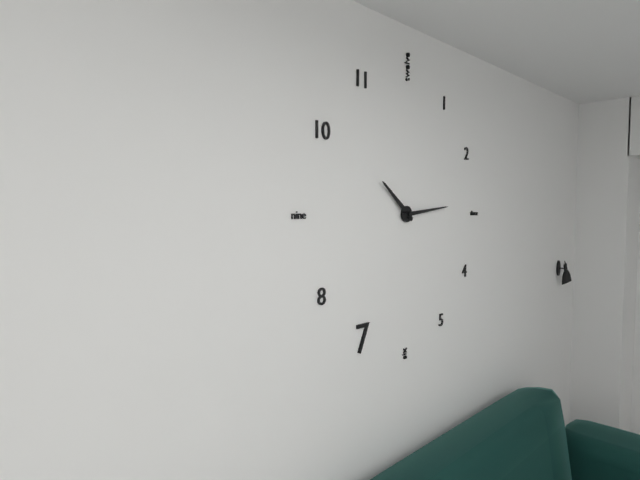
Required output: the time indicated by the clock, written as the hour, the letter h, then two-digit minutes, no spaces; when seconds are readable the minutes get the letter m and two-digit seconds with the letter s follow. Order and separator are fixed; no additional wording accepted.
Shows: 10h14
